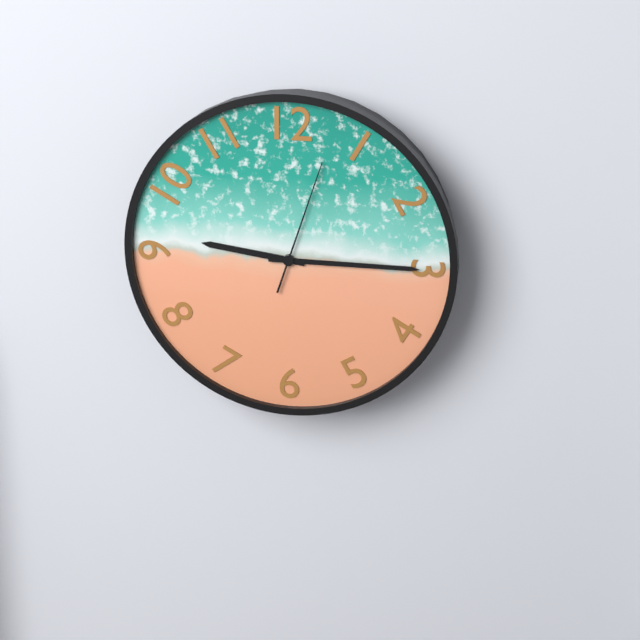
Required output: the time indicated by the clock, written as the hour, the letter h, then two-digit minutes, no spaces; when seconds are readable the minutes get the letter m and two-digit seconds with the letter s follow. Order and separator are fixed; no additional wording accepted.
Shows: 9h15m03s
